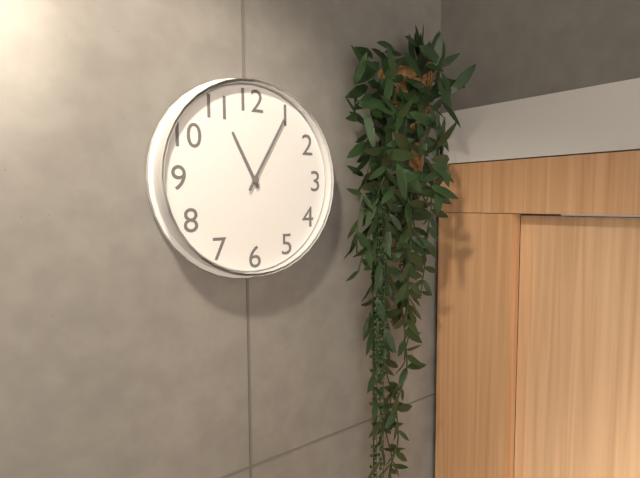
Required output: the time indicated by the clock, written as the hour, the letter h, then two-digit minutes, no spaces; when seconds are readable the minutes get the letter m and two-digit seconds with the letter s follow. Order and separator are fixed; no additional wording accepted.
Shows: 11h05
